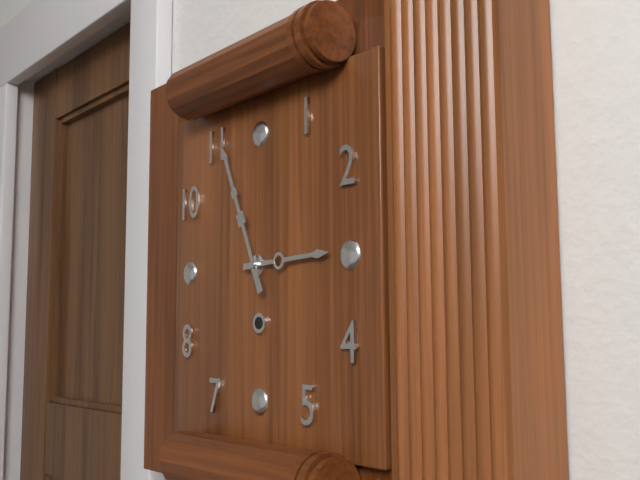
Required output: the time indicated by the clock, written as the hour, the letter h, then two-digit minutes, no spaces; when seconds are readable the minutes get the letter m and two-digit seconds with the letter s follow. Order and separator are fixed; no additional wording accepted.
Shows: 2h56
